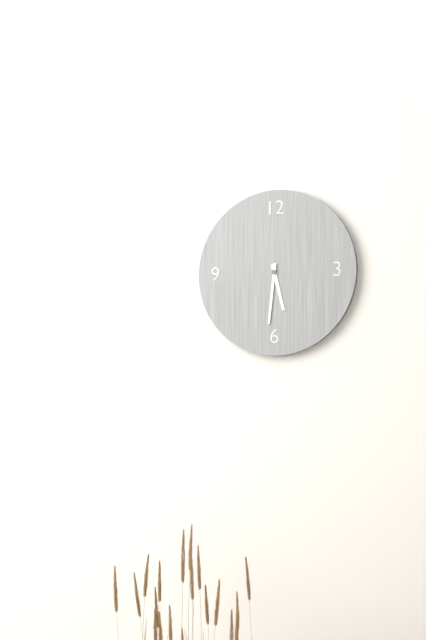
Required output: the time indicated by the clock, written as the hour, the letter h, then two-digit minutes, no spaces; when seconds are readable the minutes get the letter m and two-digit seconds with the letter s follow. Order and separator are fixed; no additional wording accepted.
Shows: 5h31
